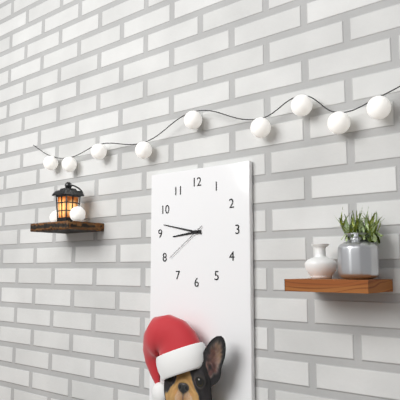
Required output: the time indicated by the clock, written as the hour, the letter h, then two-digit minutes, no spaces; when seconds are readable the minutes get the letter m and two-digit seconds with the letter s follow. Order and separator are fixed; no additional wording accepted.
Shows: 8h47
